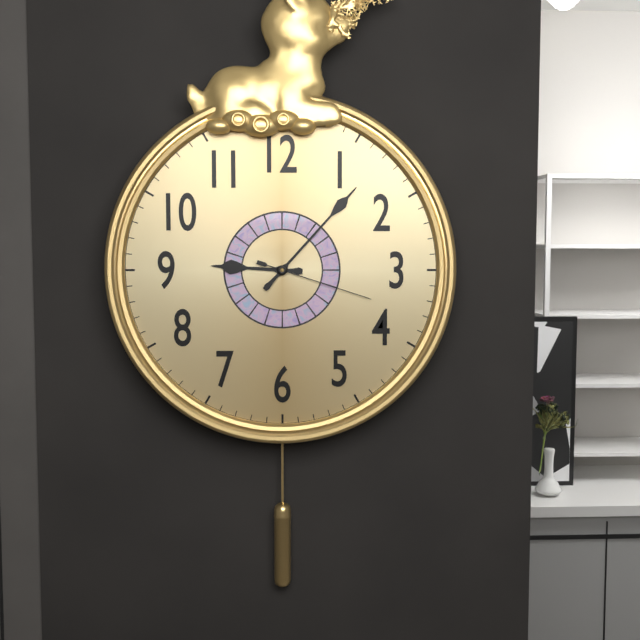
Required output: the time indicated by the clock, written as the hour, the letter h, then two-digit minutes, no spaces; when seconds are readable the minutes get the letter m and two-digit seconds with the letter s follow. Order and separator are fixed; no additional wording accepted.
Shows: 9h07m18s
